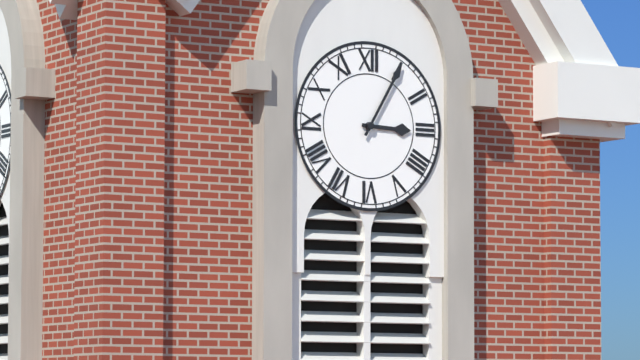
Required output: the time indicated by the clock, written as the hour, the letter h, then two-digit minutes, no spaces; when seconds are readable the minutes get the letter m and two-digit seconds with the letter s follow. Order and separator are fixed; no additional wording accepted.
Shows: 3h05
